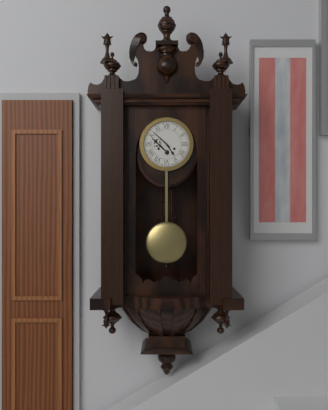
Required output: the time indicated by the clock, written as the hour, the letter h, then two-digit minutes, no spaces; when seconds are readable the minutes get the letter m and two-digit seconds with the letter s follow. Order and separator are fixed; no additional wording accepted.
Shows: 4h52
